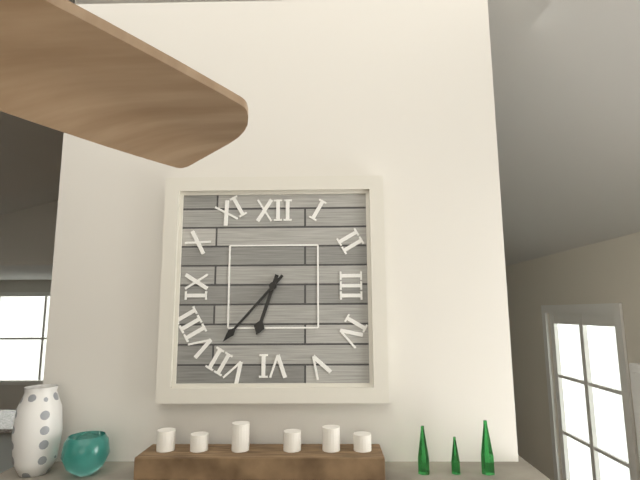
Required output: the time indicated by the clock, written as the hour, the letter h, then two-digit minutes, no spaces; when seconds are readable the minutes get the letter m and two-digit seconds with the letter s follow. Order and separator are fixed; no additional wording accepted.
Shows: 6h37
